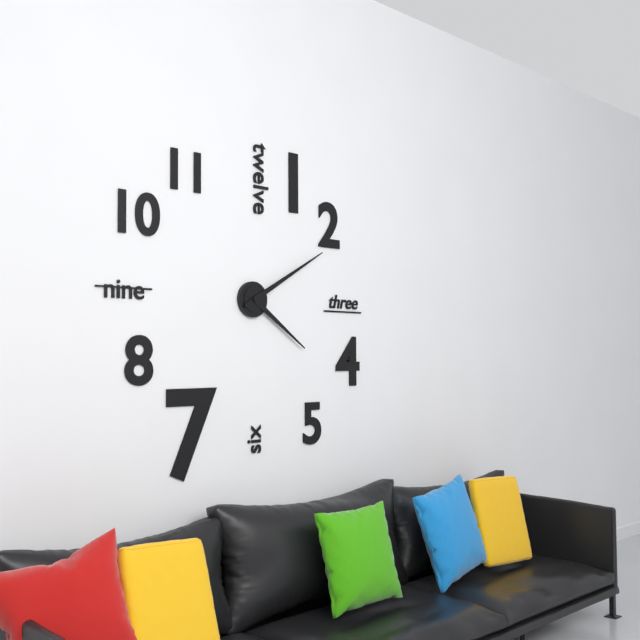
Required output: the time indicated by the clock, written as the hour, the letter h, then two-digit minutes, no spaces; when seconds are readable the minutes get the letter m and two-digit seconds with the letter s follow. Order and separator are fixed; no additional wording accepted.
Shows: 4h10
